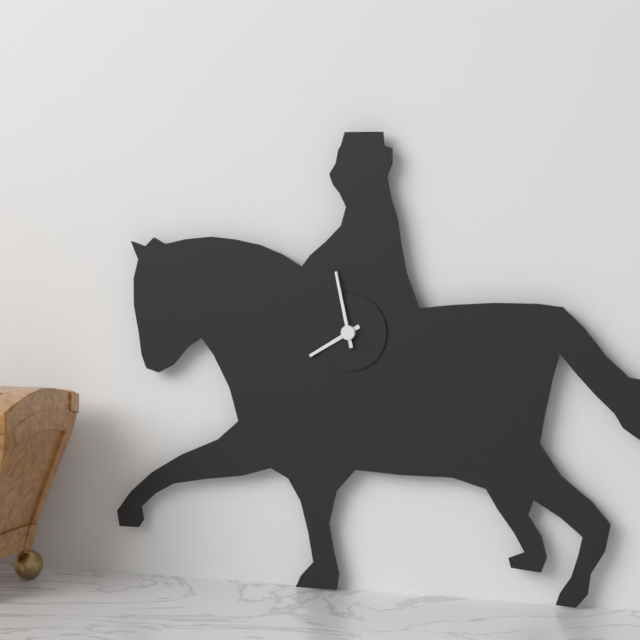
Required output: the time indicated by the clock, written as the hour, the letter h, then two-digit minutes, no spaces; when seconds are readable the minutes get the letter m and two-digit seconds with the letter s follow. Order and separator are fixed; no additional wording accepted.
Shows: 7h58
